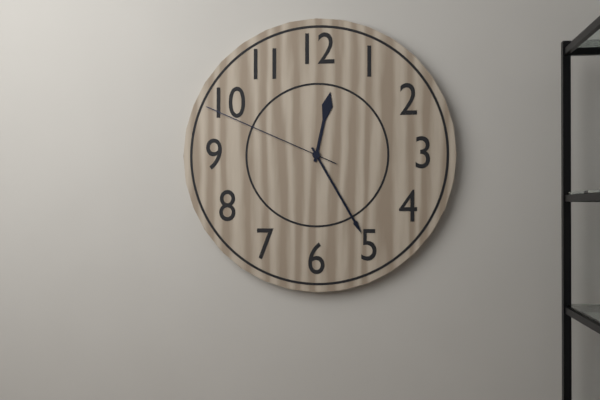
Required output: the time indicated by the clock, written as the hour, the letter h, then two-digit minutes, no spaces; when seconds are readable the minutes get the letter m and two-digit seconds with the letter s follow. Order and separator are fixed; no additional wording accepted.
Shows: 12h25m49s
